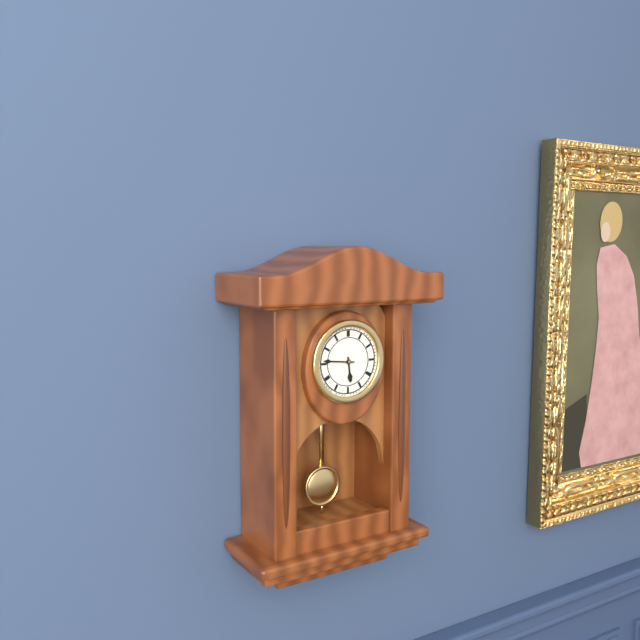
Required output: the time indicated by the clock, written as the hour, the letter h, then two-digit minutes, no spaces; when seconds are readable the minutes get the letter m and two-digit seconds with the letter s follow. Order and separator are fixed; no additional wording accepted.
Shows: 5h46
